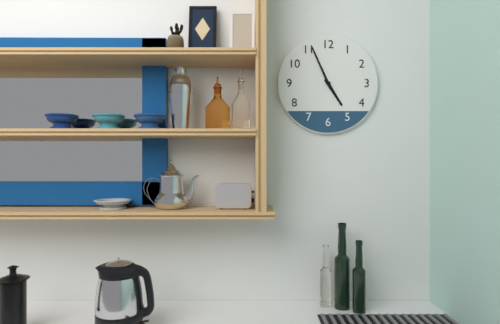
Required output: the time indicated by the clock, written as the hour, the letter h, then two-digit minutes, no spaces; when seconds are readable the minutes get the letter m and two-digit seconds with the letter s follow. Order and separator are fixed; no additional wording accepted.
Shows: 4h56
